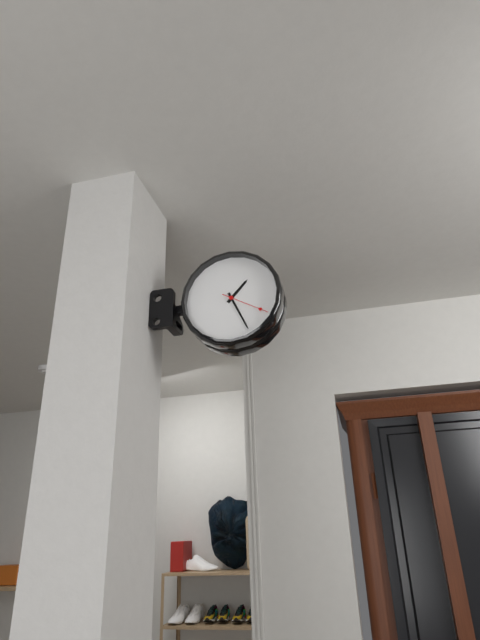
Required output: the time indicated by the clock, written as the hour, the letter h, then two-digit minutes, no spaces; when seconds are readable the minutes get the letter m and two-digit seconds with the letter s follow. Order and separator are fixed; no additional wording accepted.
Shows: 1h26
